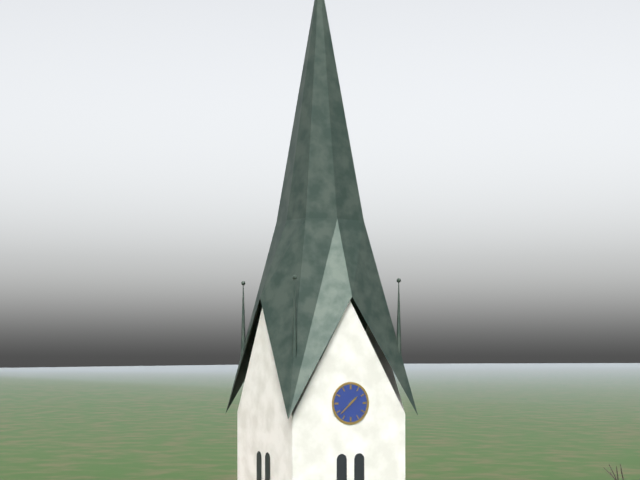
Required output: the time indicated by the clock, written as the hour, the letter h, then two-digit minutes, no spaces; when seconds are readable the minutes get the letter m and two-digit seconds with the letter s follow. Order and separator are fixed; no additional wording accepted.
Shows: 1h38
